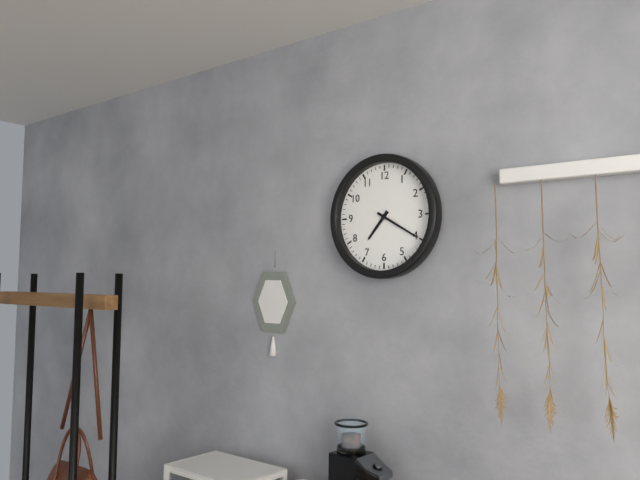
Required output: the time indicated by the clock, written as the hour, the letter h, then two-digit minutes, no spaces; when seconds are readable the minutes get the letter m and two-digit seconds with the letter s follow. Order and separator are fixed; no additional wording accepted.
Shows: 7h20
